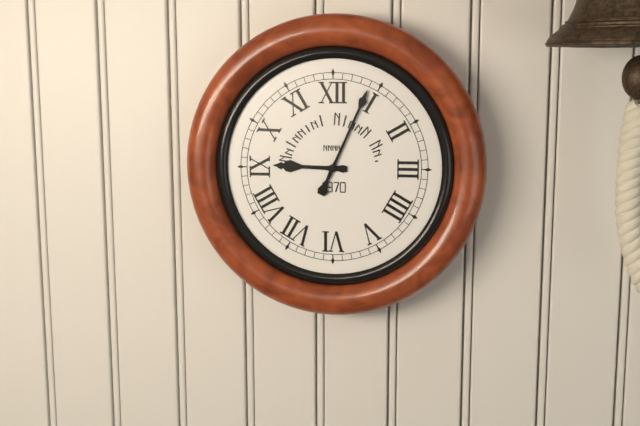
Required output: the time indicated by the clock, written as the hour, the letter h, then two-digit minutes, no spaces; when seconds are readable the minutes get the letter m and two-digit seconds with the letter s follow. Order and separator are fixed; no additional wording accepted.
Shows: 9h04
